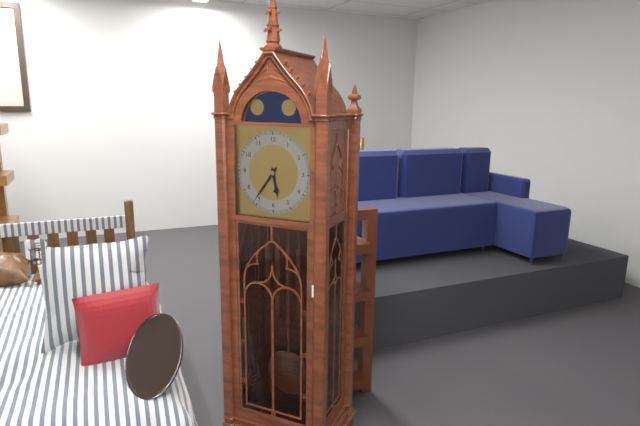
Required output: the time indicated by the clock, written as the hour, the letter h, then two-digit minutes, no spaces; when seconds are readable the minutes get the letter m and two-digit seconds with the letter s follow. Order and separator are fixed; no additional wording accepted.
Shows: 5h36
